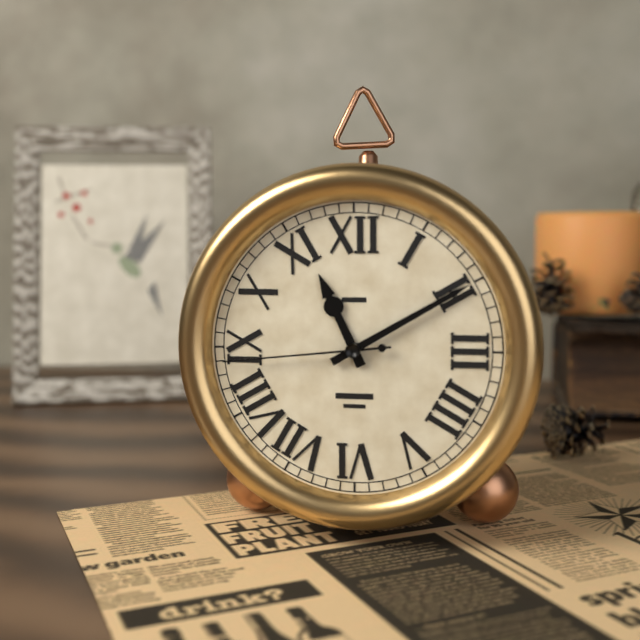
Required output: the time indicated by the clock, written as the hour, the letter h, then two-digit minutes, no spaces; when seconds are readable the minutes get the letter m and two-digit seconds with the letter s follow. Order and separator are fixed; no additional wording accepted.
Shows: 11h10m44s
